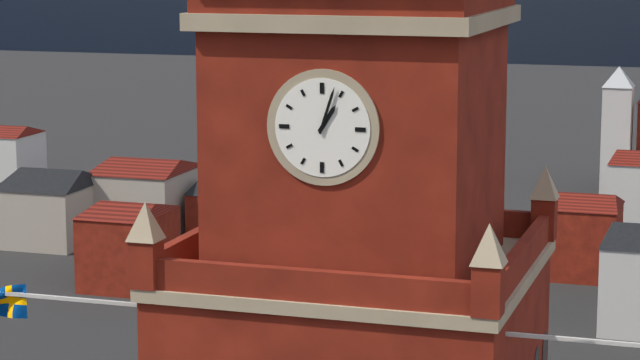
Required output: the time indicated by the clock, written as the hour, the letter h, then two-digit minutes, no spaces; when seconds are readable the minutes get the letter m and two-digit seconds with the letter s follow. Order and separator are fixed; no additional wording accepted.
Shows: 1h03
